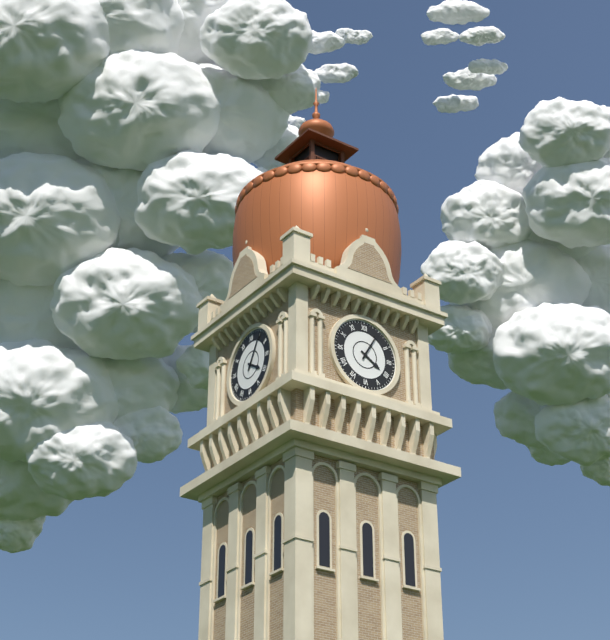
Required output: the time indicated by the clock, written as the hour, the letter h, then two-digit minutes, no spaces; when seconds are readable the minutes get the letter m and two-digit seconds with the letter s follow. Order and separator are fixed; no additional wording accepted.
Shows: 4h05
